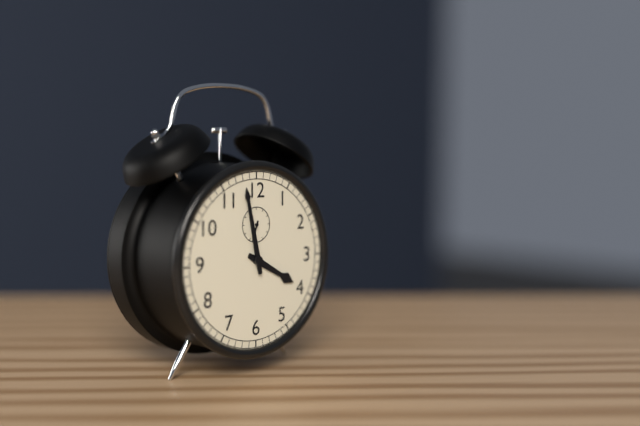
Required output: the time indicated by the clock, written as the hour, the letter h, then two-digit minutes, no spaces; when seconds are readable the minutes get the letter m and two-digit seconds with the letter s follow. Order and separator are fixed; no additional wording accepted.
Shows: 3h58
